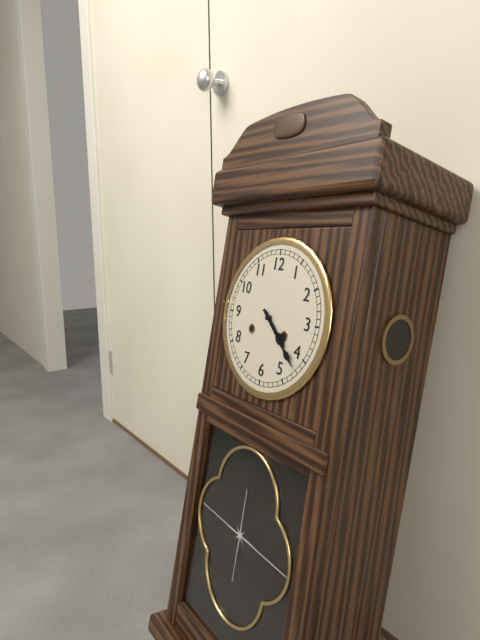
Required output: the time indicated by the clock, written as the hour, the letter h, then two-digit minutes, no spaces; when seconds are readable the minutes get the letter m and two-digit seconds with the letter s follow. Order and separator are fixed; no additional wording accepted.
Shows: 4h22
